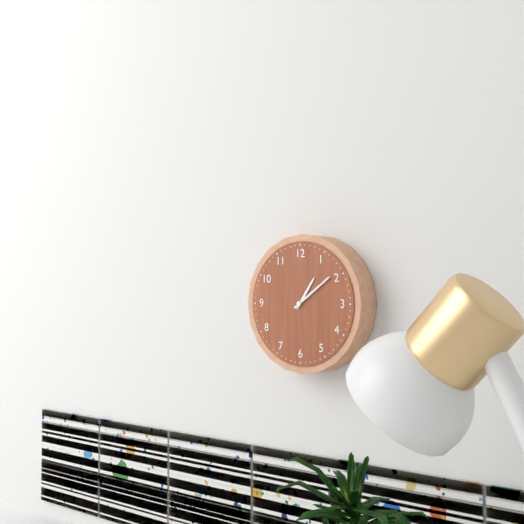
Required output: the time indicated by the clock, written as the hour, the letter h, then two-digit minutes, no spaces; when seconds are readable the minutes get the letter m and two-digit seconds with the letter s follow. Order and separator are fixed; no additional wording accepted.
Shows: 1h09
